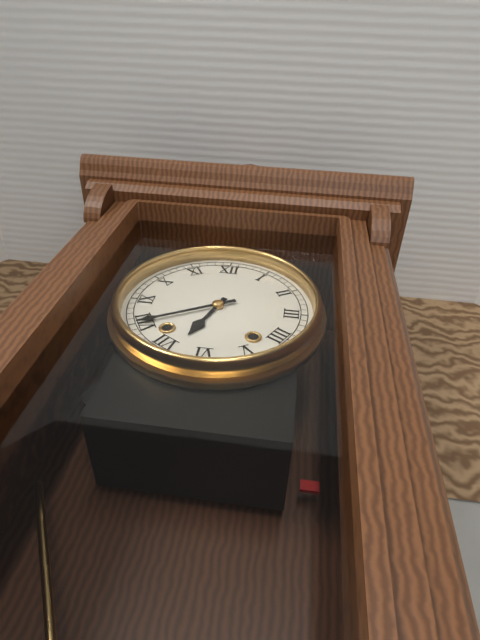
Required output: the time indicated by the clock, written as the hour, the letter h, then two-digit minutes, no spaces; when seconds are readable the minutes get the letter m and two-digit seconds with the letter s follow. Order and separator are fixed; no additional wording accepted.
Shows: 6h40
